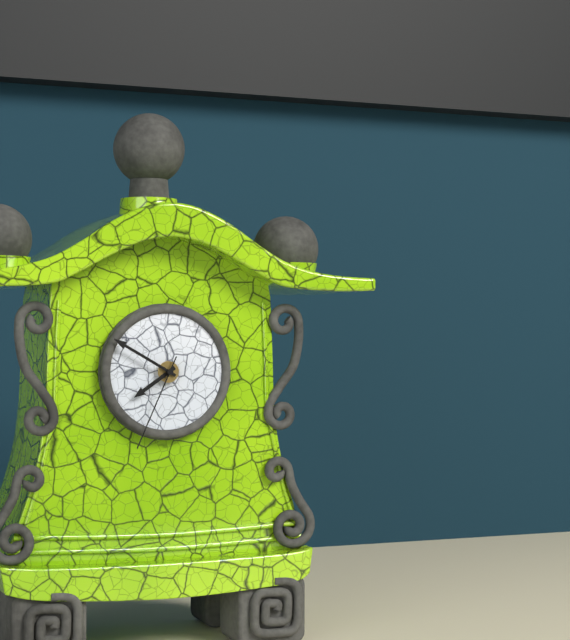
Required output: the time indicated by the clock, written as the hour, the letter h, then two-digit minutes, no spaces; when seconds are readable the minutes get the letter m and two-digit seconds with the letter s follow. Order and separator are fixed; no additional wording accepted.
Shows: 7h50m34s
